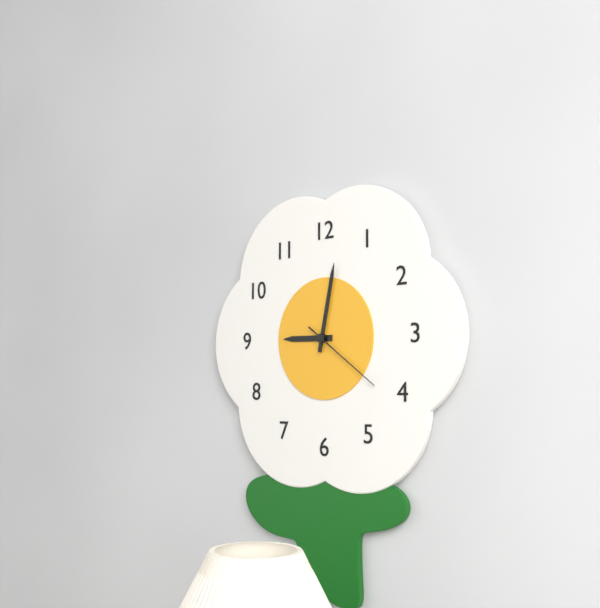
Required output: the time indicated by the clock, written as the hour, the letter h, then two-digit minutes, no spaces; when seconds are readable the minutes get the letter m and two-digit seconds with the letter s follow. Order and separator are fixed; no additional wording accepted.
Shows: 9h02m21s
